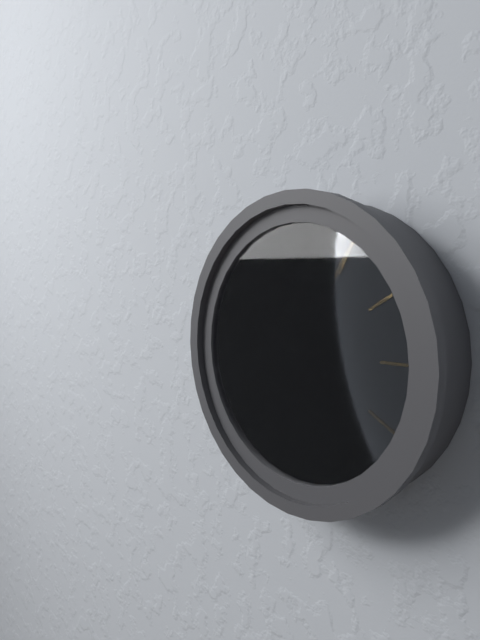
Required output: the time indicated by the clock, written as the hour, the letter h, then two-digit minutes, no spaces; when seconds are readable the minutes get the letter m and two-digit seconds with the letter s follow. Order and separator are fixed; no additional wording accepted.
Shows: 11h05m41s
